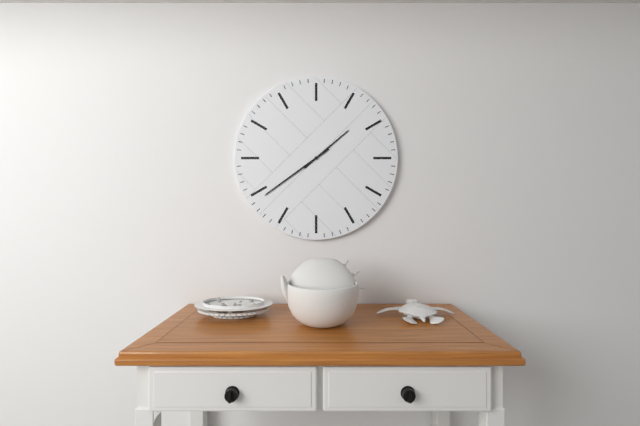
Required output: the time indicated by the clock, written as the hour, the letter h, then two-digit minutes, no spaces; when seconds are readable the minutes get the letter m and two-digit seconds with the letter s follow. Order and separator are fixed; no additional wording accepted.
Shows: 1h39
